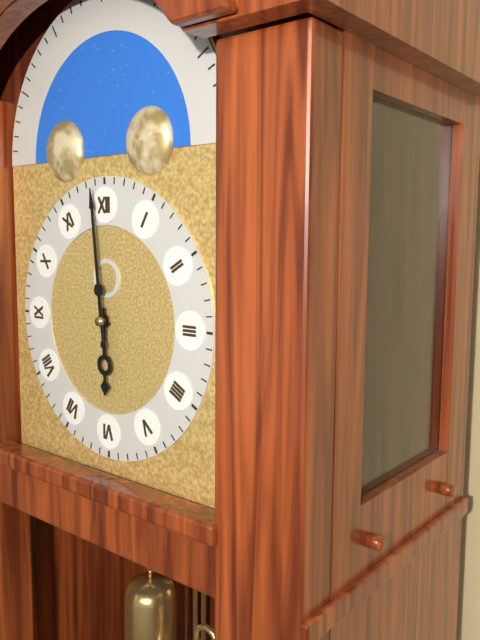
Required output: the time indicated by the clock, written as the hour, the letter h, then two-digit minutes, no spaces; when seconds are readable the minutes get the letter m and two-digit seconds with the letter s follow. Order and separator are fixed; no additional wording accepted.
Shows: 5h59
